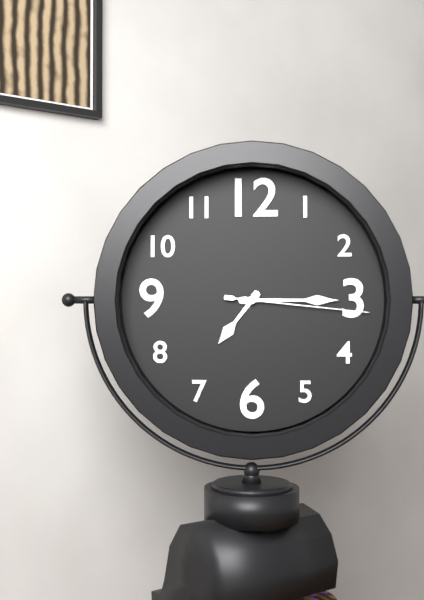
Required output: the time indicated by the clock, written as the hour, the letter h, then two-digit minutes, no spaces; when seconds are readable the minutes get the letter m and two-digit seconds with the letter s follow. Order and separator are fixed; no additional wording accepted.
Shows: 7h15m16s
